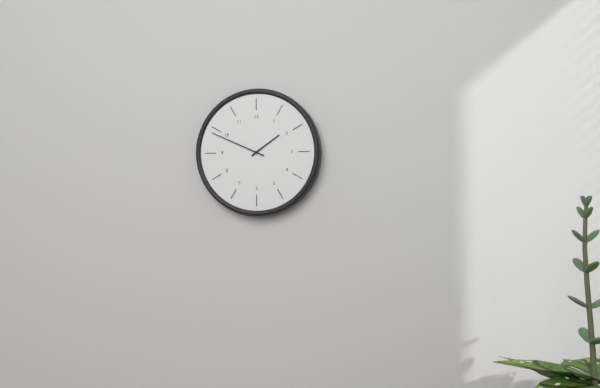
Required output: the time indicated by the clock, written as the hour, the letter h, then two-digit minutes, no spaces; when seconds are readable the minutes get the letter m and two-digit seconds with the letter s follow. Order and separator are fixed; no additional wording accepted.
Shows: 1h49
